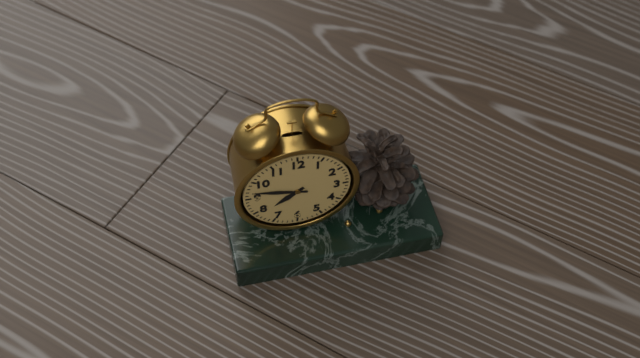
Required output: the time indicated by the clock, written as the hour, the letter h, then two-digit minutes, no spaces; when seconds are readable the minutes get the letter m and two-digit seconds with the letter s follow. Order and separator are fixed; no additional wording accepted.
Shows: 7h47
